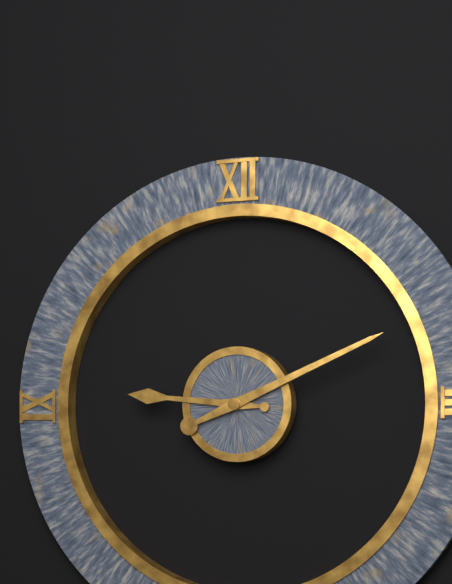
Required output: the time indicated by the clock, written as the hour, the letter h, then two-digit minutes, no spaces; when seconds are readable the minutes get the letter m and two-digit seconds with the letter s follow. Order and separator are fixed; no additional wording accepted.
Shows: 9h11
